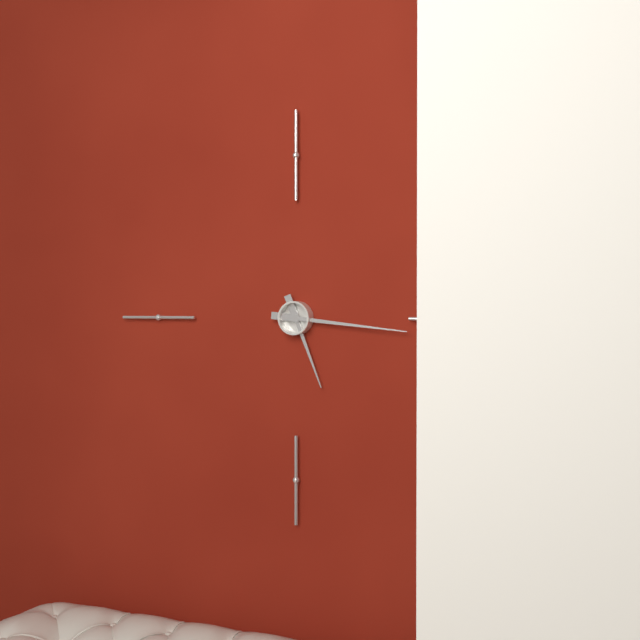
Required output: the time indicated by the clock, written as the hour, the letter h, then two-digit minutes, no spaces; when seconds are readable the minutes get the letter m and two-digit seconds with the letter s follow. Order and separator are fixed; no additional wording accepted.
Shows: 5h16
